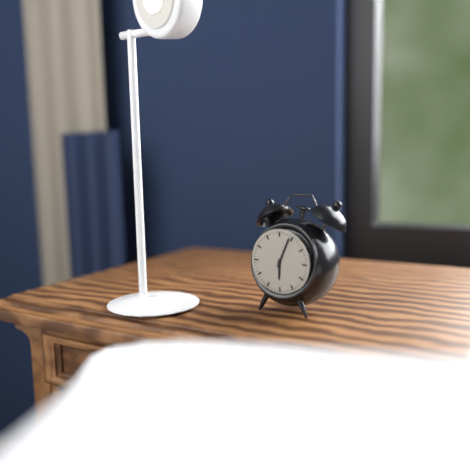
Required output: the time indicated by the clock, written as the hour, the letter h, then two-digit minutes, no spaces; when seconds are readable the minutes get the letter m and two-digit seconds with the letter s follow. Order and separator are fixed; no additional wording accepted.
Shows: 6h04
